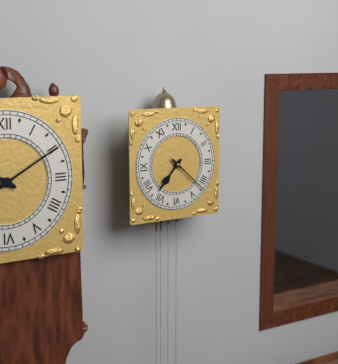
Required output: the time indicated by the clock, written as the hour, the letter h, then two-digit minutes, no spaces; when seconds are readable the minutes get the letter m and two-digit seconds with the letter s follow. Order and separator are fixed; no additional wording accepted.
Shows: 7h22
